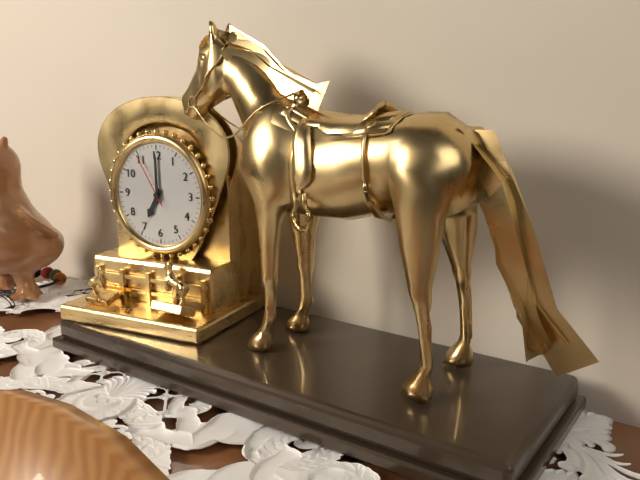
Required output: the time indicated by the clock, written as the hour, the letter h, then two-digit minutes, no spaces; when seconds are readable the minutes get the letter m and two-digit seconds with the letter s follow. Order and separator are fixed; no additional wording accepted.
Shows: 7h00m55s
